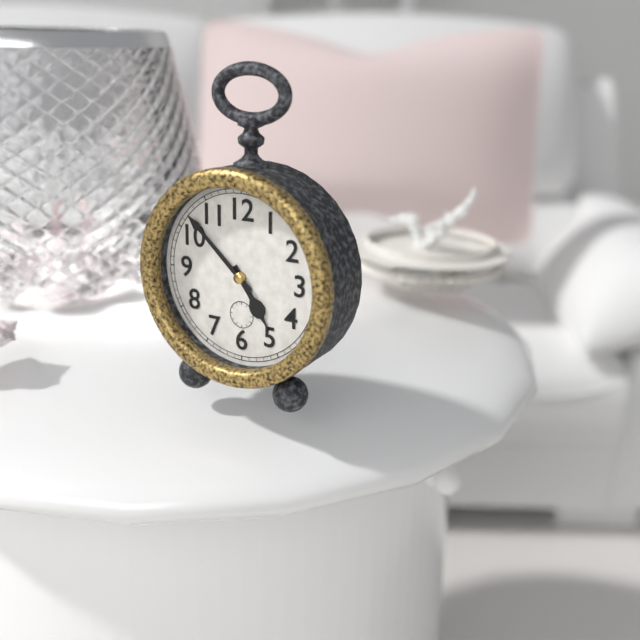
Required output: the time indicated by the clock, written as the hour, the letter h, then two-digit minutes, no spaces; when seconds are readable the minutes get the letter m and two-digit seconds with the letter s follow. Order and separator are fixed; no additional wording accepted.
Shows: 4h52
